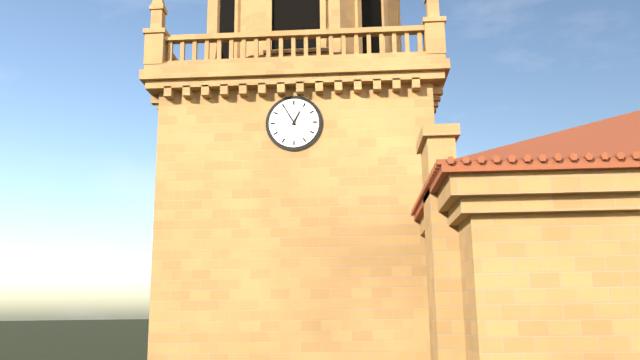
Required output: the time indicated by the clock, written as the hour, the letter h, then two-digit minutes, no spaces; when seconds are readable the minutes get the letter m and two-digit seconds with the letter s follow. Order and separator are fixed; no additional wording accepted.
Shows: 12h55
